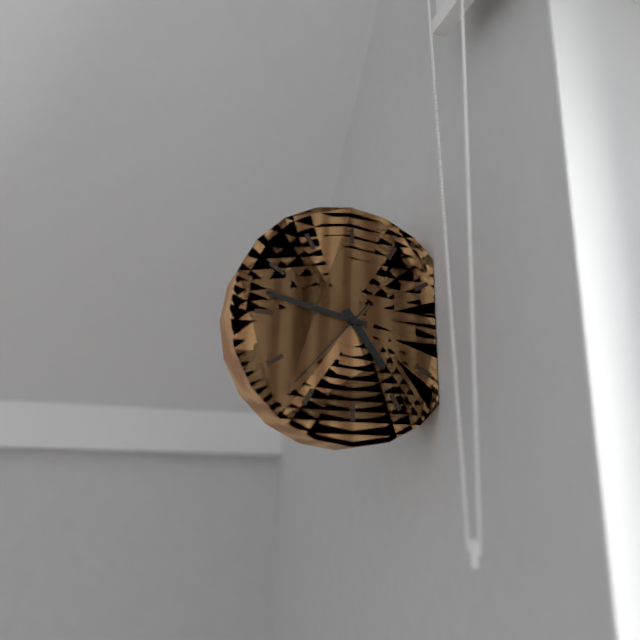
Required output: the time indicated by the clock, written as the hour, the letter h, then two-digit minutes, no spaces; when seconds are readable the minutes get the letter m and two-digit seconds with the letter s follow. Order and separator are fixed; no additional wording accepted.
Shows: 4h47m37s
